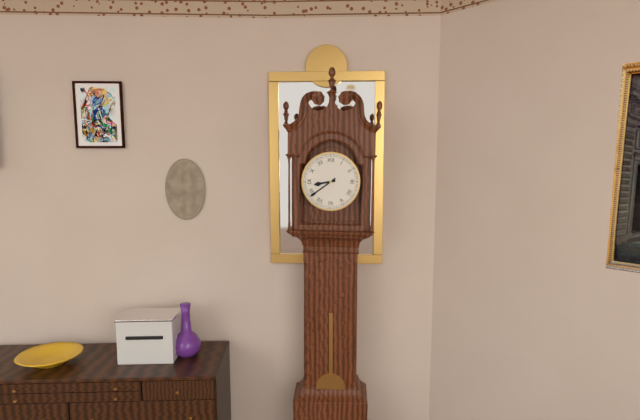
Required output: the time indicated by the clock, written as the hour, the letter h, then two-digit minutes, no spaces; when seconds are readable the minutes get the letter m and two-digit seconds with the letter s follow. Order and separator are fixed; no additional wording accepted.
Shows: 8h39
